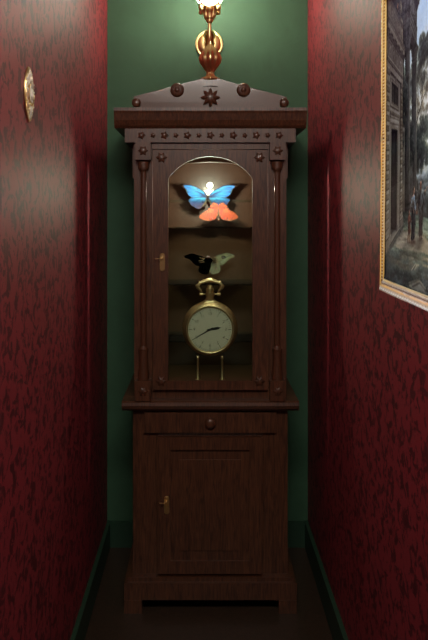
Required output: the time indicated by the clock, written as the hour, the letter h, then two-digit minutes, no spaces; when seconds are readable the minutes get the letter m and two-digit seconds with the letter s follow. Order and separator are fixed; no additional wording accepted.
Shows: 2h40
